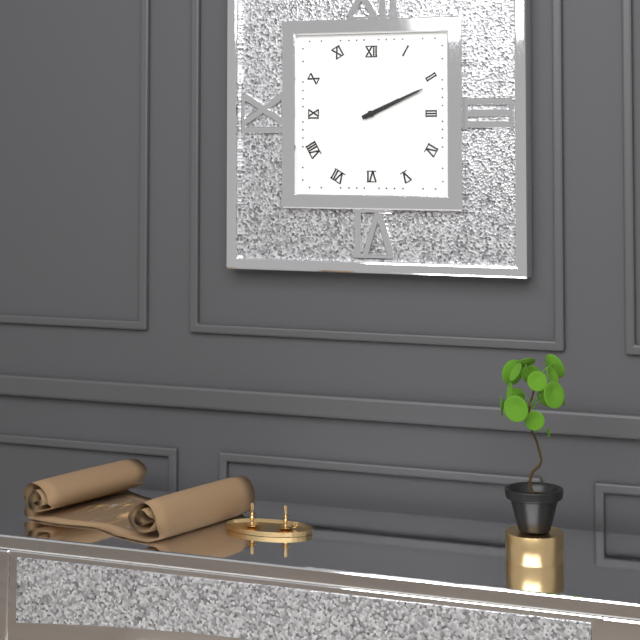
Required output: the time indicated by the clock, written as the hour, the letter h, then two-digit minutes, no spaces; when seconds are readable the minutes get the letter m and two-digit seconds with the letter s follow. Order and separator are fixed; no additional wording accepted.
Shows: 2h11
